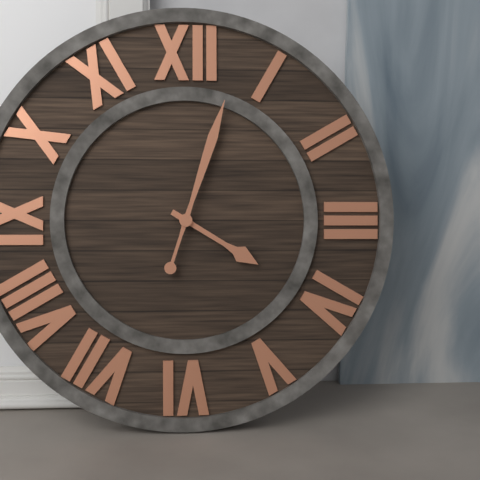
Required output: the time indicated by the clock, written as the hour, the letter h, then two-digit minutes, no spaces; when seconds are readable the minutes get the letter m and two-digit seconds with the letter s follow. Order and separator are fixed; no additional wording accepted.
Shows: 4h03
